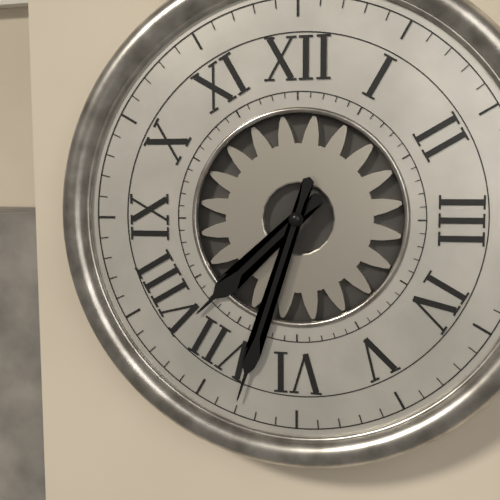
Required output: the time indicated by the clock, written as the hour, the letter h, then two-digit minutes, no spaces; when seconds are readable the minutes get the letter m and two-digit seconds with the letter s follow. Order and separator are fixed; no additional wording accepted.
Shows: 7h33
